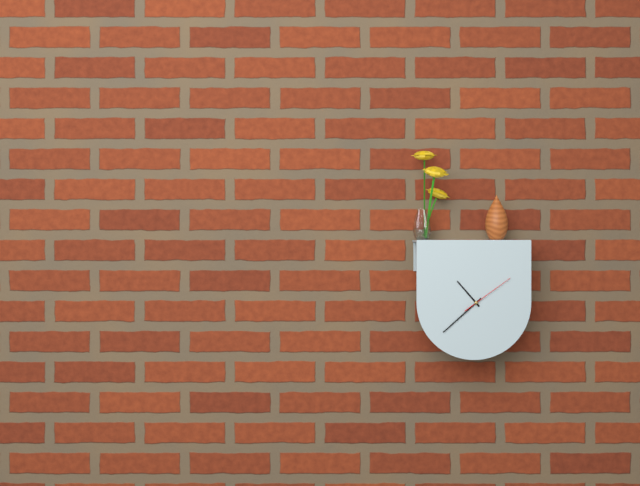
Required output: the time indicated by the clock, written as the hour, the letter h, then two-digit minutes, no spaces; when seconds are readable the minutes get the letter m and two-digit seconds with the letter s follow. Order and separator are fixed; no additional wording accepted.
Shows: 10h38m09s
